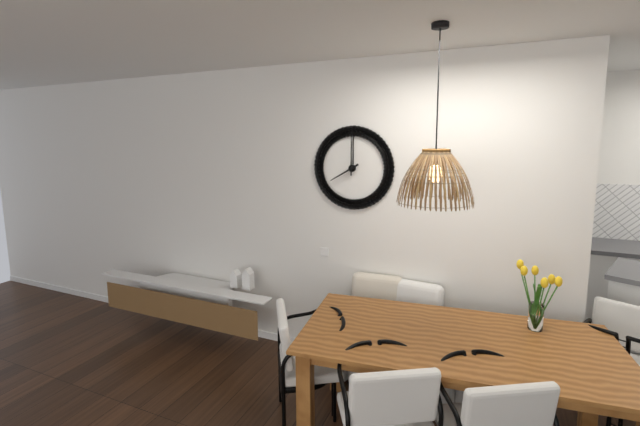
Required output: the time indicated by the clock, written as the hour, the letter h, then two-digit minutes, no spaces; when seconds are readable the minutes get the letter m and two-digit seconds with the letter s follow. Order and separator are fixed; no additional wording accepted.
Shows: 8h00
